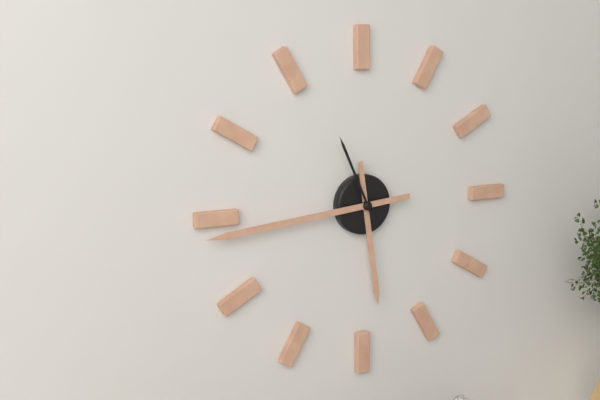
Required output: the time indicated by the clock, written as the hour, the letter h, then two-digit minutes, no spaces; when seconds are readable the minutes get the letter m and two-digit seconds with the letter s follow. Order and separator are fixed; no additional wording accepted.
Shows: 5h44m56s
